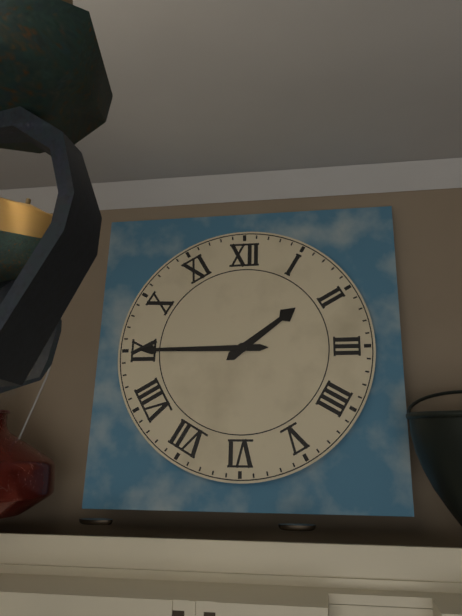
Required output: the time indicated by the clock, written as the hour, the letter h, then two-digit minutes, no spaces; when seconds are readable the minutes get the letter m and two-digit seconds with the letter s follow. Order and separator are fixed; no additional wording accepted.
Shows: 1h45
